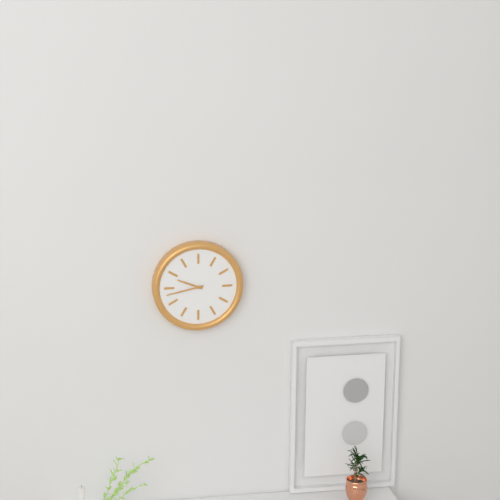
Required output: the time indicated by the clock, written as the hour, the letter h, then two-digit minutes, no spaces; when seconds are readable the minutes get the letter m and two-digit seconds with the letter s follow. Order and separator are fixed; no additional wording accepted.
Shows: 9h43
